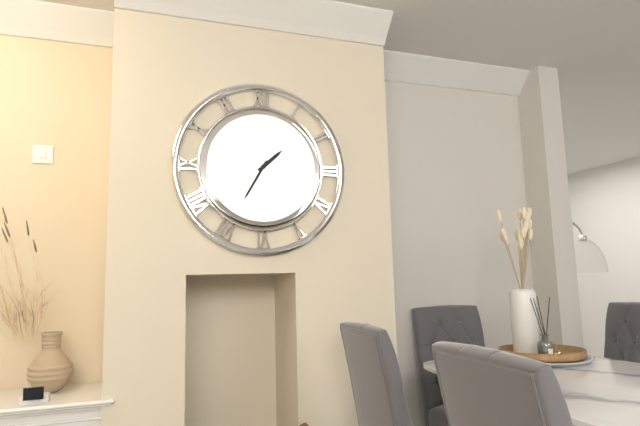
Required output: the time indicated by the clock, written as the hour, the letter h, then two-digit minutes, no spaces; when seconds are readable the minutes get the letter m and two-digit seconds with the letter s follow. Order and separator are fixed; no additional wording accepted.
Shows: 1h35
